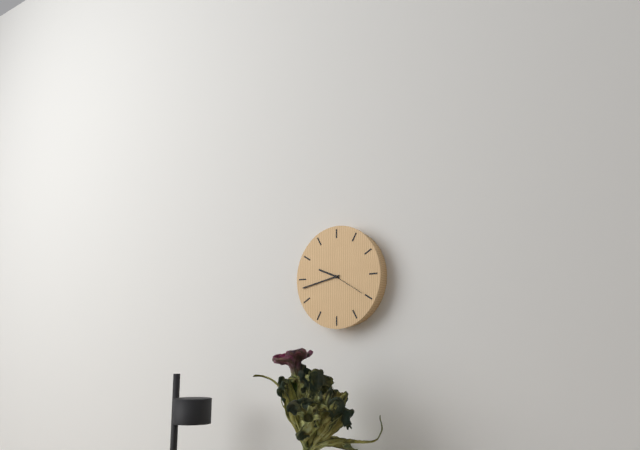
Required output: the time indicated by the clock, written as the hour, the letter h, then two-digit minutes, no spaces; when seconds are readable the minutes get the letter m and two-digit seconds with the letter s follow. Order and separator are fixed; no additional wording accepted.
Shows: 9h43
